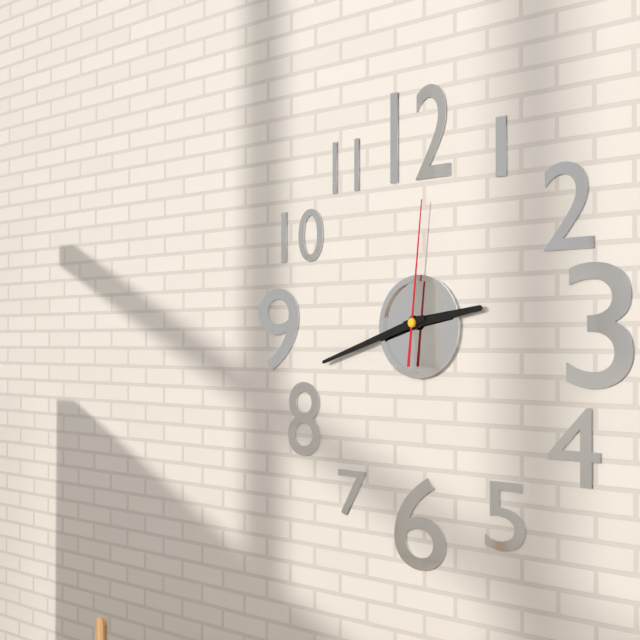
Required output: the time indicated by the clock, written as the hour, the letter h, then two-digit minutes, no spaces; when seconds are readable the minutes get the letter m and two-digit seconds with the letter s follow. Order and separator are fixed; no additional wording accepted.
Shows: 2h42m01s
